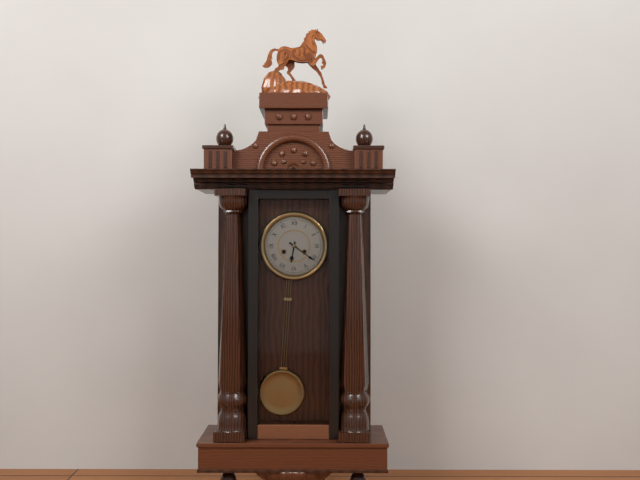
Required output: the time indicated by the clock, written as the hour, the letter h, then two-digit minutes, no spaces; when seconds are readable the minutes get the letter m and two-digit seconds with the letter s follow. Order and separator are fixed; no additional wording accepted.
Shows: 6h21
